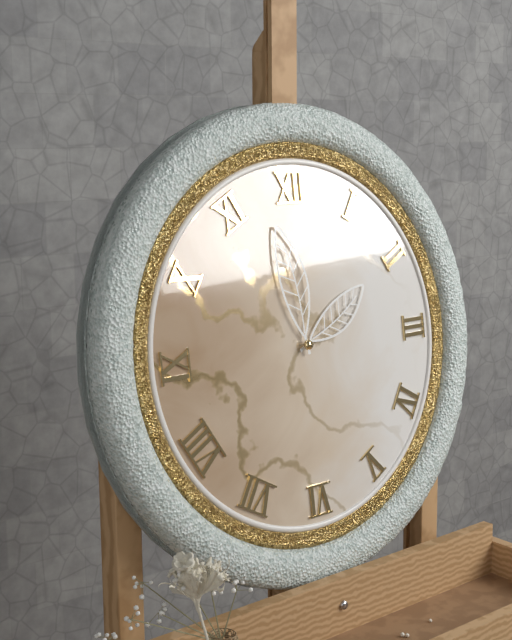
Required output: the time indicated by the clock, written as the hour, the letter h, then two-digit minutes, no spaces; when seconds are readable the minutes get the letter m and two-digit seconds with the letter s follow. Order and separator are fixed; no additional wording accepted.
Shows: 1h58
